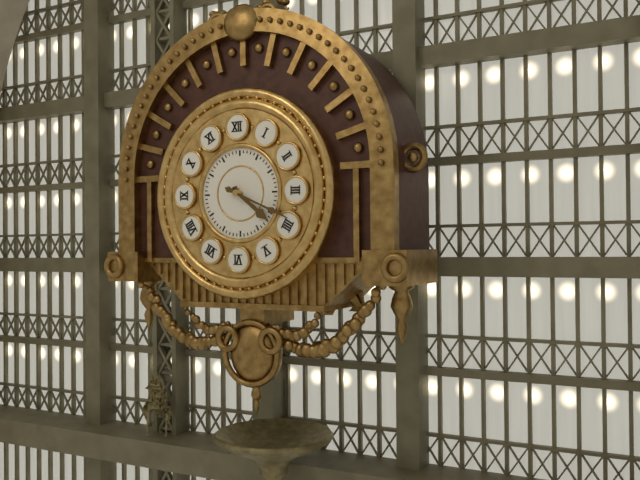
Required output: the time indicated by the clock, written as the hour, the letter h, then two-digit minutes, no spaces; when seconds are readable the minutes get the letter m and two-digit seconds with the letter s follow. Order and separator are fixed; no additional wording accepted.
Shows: 4h19
